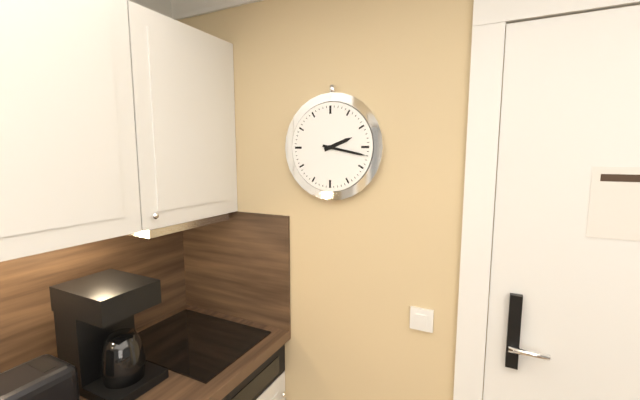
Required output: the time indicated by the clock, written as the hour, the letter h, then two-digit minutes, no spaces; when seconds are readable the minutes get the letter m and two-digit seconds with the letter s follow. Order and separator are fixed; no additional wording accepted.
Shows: 2h17
